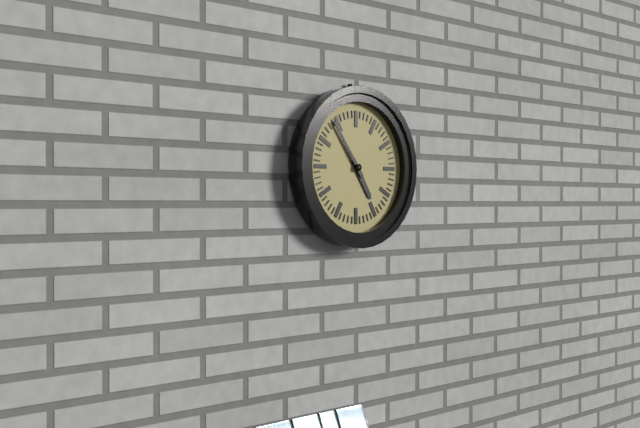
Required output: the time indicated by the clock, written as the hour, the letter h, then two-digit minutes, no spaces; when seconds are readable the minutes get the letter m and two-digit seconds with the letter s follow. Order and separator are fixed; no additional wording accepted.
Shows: 4h54
